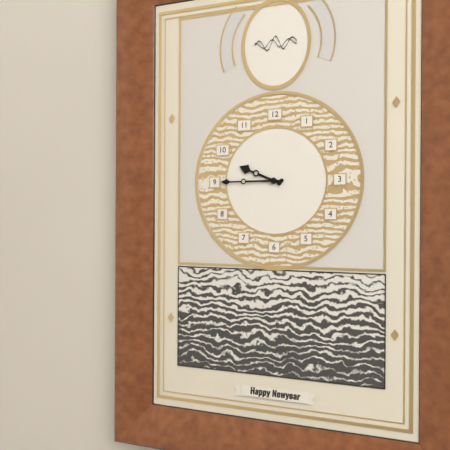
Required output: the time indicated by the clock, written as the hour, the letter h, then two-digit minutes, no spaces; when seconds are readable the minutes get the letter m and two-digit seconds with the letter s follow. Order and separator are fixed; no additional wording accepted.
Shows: 9h45
